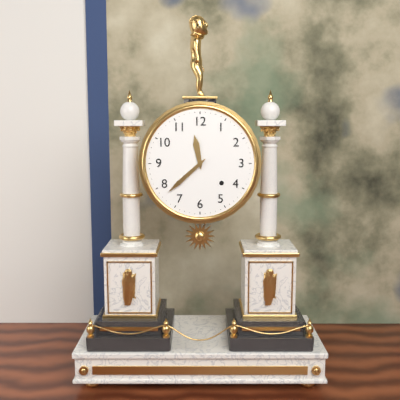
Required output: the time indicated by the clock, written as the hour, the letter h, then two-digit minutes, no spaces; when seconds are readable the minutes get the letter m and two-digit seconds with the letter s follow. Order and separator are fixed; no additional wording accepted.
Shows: 11h38
